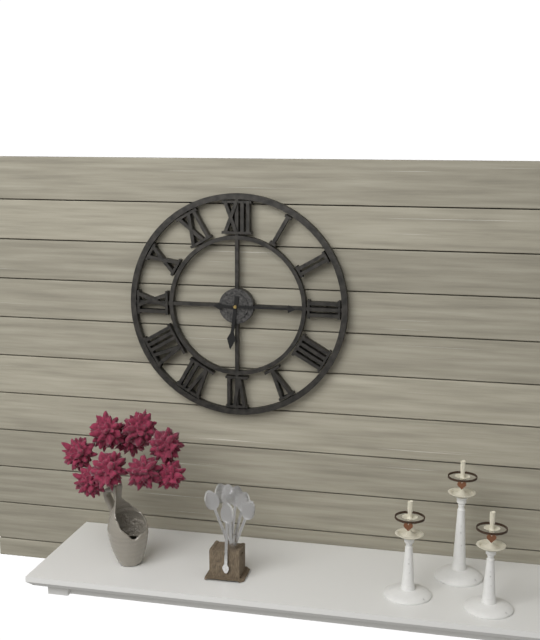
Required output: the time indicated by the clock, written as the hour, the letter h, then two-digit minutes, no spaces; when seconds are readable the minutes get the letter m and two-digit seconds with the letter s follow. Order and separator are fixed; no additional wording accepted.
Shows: 6h15
